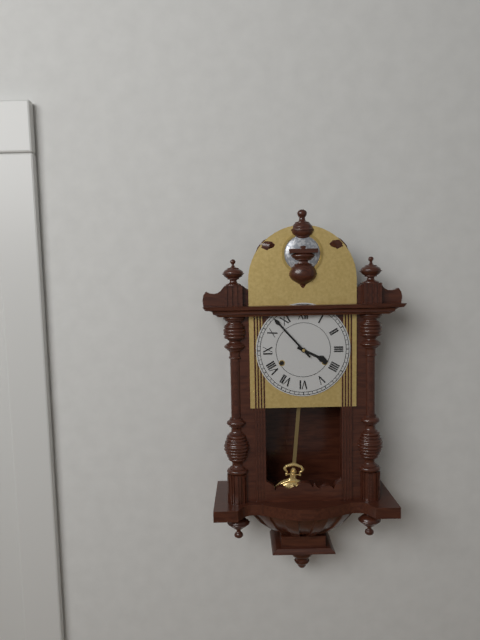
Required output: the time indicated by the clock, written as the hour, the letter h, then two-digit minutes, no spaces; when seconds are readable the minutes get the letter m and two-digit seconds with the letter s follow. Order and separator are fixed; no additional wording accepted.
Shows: 3h53
